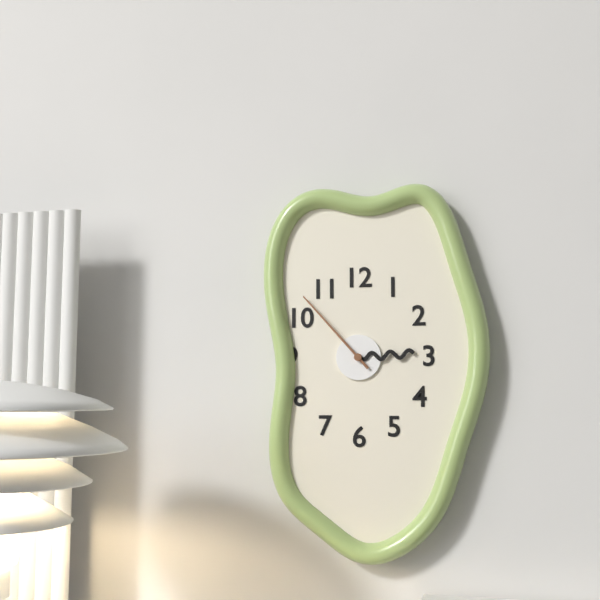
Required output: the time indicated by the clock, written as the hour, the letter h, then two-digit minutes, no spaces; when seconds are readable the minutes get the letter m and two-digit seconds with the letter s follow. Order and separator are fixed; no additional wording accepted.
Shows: 2h53
